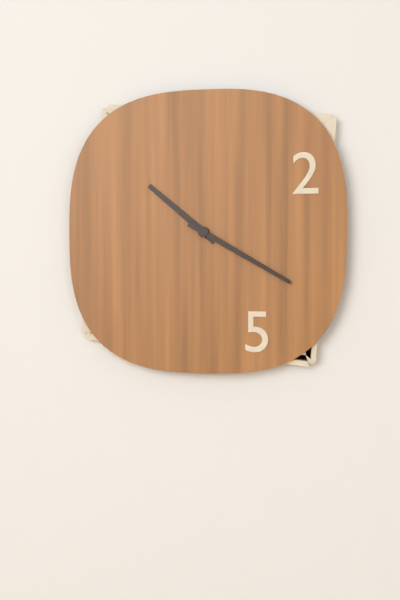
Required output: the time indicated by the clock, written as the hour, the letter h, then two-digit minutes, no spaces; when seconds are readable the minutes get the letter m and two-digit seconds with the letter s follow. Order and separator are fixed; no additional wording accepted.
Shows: 10h20
